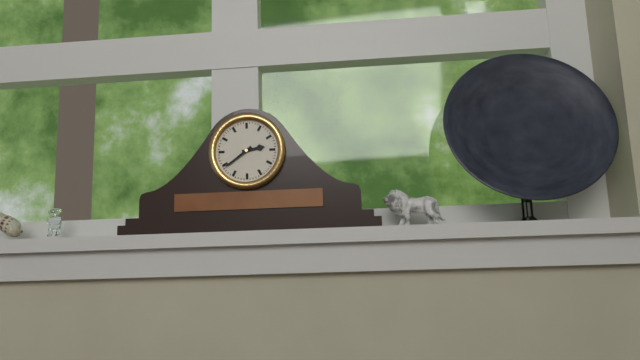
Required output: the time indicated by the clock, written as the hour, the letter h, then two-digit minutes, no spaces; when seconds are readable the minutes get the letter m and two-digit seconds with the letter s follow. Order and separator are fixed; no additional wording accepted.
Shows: 2h39
